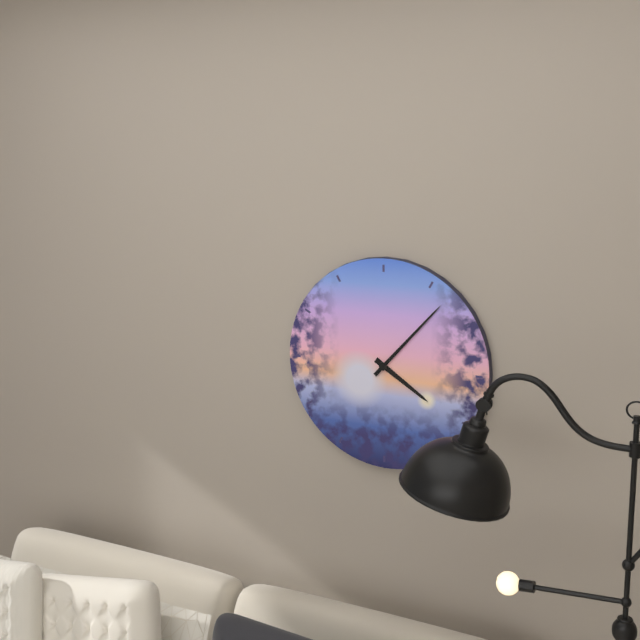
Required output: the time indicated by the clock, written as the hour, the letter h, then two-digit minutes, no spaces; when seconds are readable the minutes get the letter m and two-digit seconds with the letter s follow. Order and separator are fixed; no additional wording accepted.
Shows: 4h07
